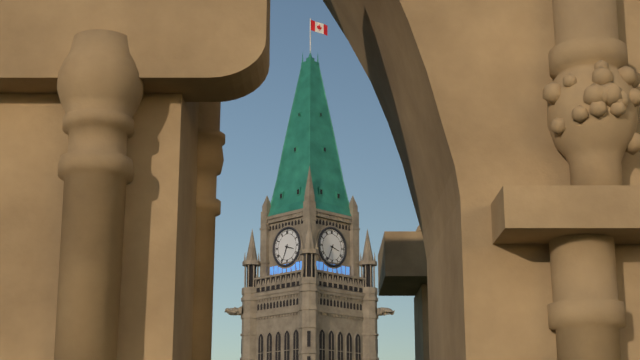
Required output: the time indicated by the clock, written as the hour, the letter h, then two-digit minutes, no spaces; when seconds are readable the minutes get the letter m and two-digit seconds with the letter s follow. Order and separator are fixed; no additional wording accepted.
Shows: 3h34
